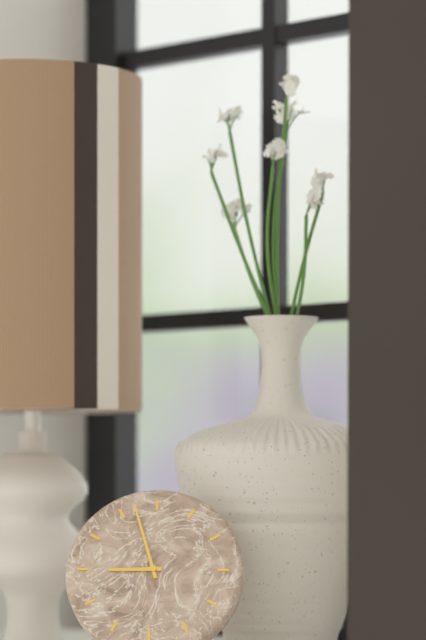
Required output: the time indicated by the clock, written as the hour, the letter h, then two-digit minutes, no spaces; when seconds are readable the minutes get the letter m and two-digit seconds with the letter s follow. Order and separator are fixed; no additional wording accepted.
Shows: 8h57
